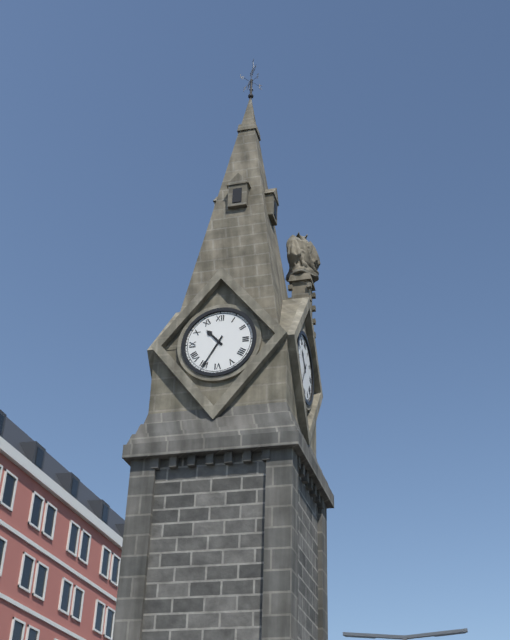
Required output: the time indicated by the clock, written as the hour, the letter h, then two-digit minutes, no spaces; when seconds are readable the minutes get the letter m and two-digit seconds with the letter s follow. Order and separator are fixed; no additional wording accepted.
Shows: 10h35
